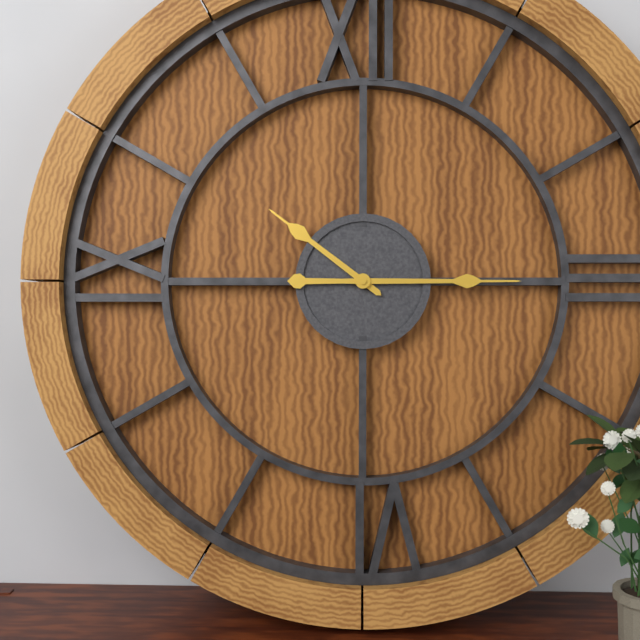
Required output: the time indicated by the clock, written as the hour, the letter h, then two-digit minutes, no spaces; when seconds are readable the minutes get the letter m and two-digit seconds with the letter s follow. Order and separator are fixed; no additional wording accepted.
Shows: 10h15
